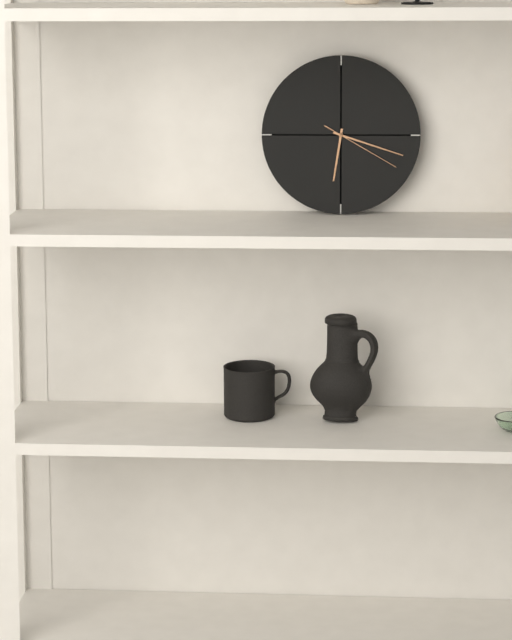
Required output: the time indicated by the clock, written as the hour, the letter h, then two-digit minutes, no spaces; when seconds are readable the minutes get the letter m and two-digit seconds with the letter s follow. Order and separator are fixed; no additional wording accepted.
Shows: 6h18m20s
